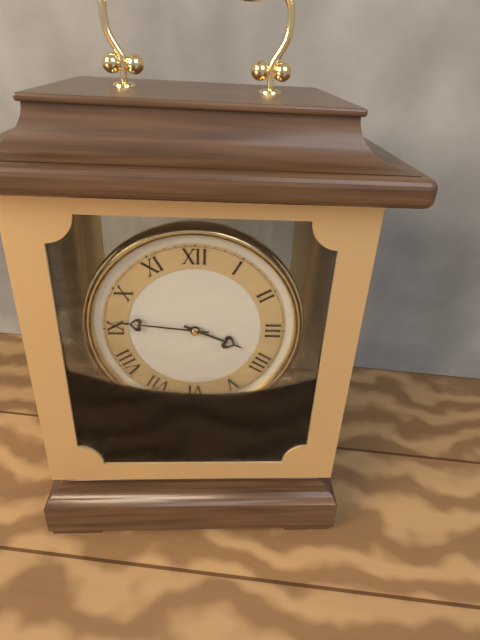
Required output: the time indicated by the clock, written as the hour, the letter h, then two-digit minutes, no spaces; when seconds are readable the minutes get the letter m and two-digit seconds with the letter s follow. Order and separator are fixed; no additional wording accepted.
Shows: 3h46
